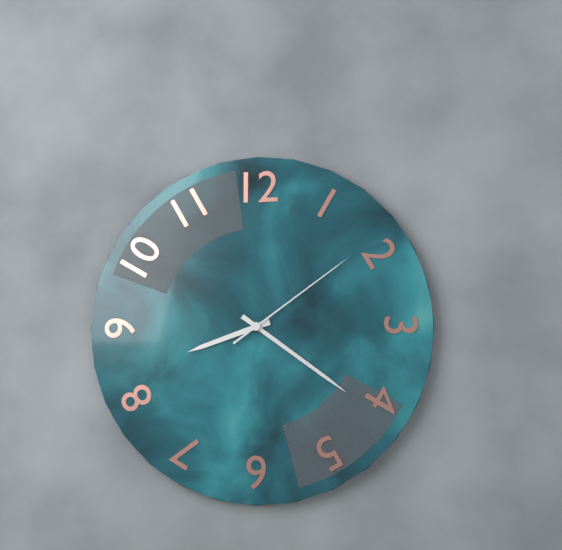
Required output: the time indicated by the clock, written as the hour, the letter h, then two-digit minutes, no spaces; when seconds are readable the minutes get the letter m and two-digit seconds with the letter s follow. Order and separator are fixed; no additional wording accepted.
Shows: 8h21m09s
